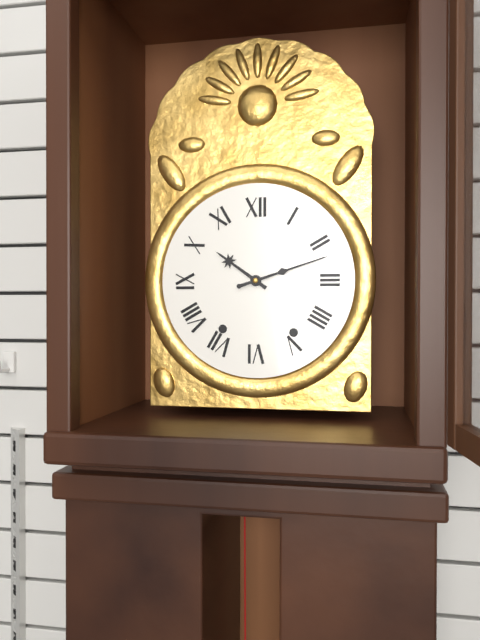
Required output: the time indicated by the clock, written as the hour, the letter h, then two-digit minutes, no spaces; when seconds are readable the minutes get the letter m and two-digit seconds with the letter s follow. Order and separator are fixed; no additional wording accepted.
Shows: 10h12
